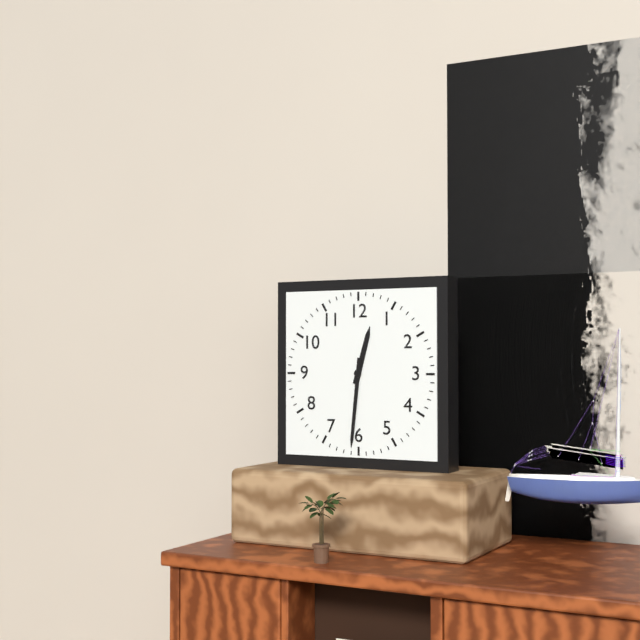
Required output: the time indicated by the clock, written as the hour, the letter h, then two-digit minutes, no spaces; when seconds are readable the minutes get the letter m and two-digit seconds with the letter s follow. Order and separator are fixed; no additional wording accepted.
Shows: 12h31
